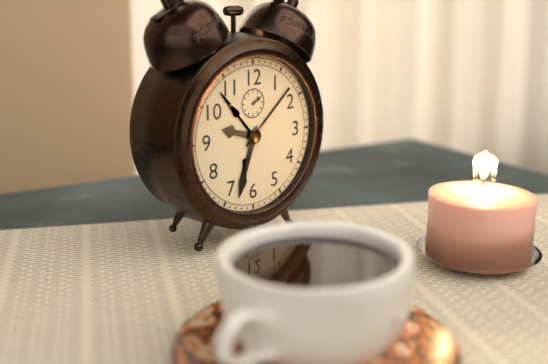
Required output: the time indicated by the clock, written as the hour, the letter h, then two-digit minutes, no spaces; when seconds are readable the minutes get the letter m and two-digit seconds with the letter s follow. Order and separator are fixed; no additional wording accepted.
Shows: 9h33
